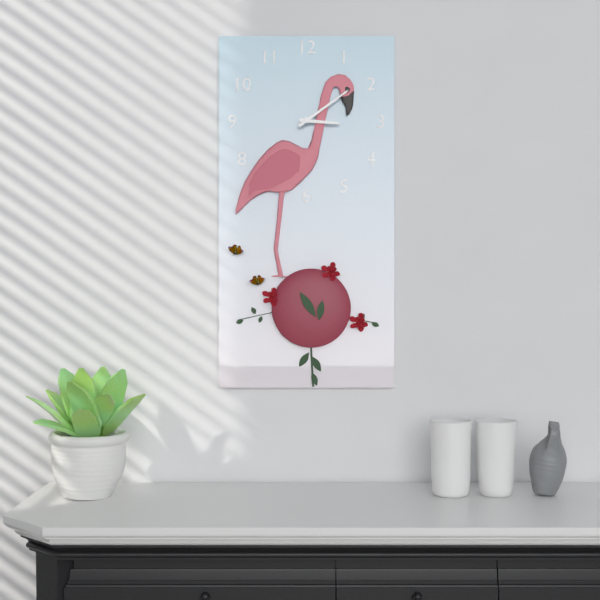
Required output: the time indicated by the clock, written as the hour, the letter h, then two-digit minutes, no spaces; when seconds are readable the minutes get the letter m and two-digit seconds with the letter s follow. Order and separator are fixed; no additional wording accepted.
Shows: 3h09
